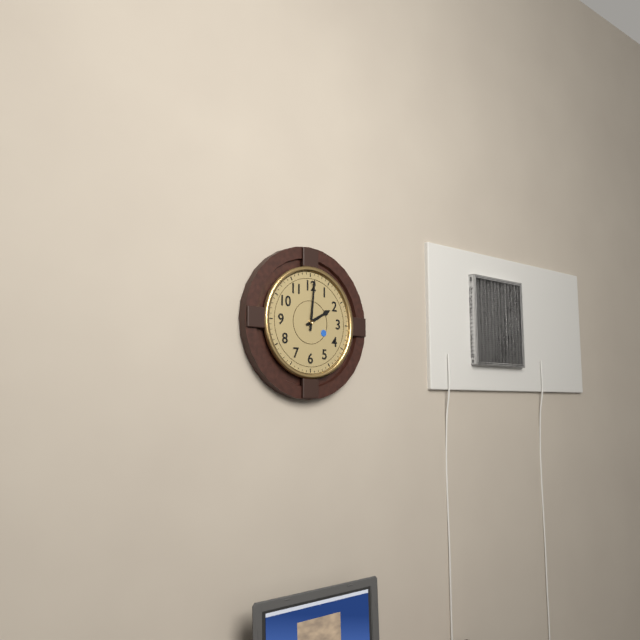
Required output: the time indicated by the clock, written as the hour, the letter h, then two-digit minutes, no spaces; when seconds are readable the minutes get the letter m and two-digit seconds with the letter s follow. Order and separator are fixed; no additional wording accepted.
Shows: 2h01
